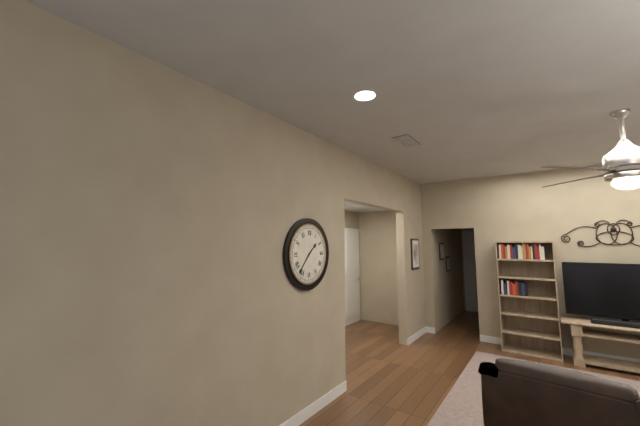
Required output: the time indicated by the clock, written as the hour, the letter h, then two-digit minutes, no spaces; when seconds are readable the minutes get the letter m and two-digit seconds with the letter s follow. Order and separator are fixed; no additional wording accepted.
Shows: 1h37
